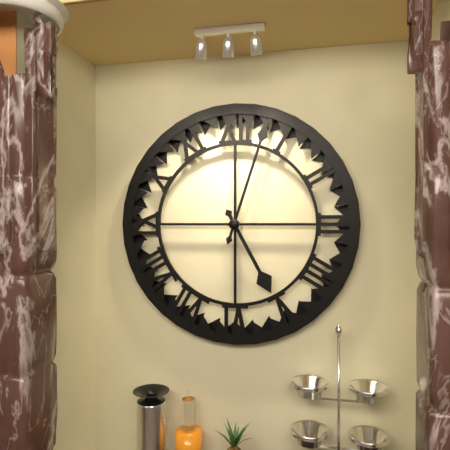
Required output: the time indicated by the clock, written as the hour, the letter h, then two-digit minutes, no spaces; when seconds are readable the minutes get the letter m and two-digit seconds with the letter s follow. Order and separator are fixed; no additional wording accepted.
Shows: 5h03
